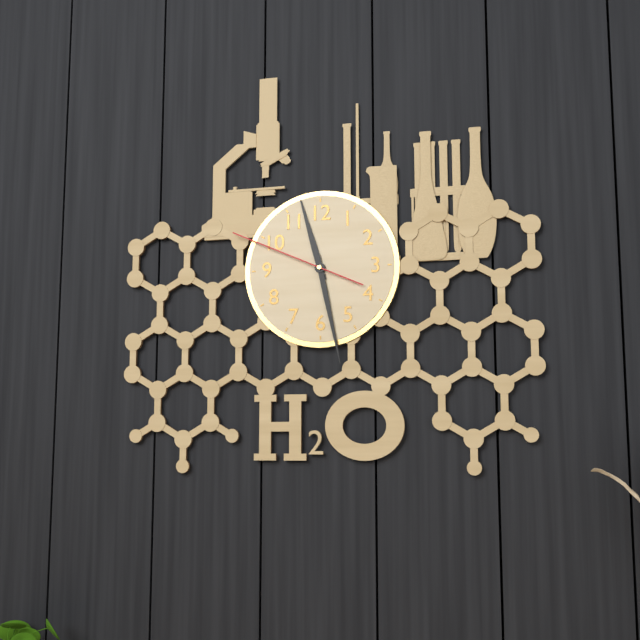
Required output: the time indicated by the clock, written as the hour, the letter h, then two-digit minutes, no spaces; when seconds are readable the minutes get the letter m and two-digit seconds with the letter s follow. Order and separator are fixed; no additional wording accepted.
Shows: 11h28m49s
